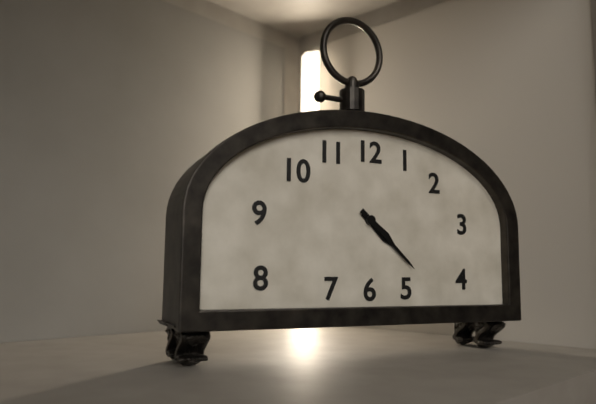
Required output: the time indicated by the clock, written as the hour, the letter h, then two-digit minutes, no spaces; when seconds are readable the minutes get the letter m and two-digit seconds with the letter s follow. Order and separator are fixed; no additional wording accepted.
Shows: 4h22
